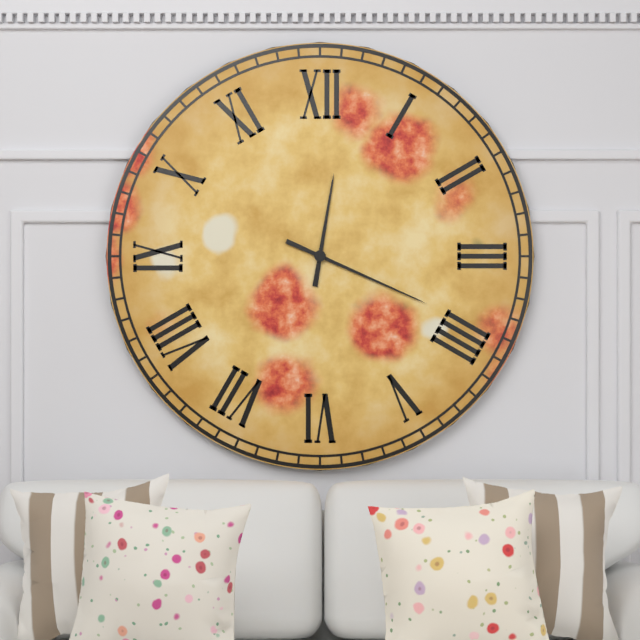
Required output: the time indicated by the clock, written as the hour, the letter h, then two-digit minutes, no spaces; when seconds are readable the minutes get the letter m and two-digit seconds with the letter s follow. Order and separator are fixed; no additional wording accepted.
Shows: 12h19
